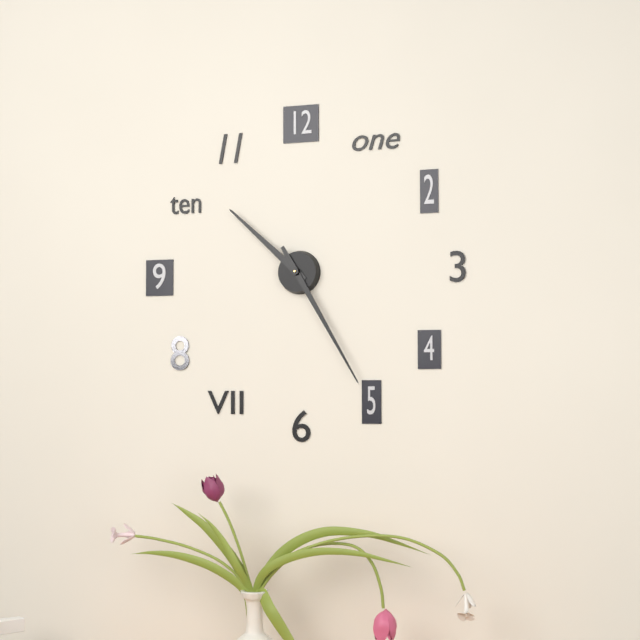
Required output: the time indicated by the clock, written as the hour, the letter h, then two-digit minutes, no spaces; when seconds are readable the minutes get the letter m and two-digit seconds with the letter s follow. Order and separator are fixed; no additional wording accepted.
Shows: 10h25
